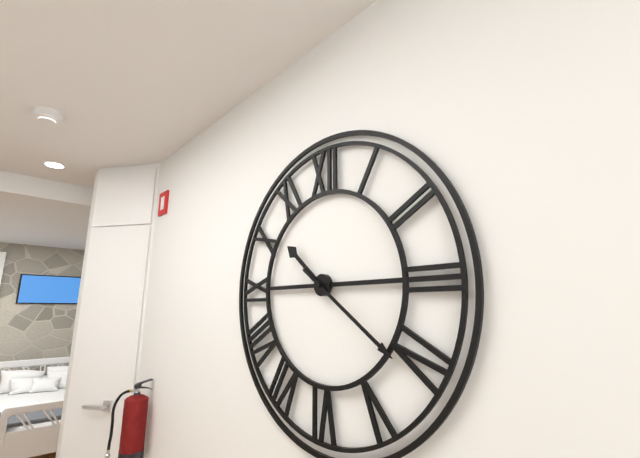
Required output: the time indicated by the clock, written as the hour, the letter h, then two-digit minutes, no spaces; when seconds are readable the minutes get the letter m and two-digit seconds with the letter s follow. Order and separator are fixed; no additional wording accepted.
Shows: 10h21
